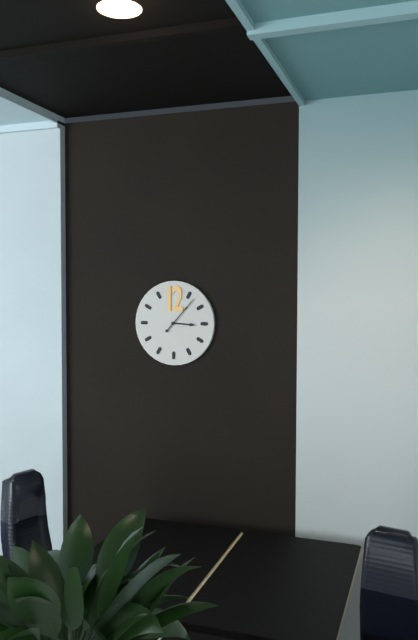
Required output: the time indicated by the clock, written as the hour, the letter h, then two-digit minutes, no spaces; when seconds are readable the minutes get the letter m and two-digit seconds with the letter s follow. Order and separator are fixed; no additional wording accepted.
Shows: 3h07
